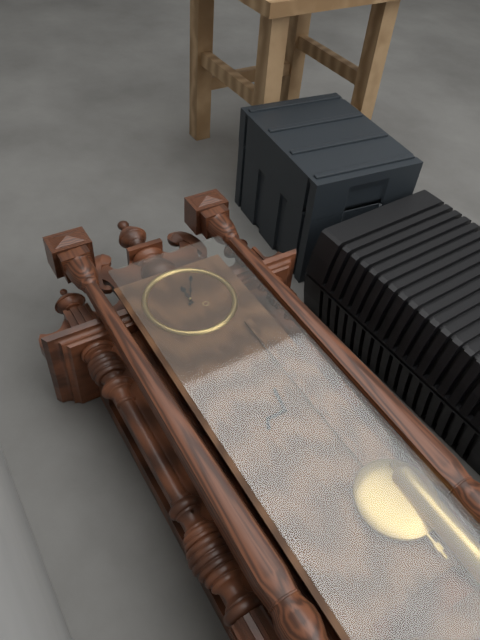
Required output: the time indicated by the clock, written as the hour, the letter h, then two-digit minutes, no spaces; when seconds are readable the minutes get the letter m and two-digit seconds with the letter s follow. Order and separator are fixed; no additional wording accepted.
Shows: 12h05
